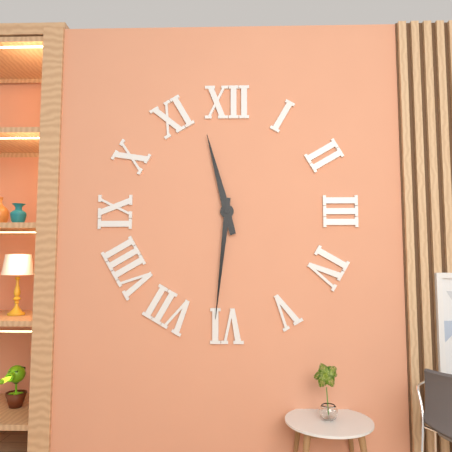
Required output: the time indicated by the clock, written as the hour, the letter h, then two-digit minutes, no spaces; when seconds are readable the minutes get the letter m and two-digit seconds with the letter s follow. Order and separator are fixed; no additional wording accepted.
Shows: 11h31
